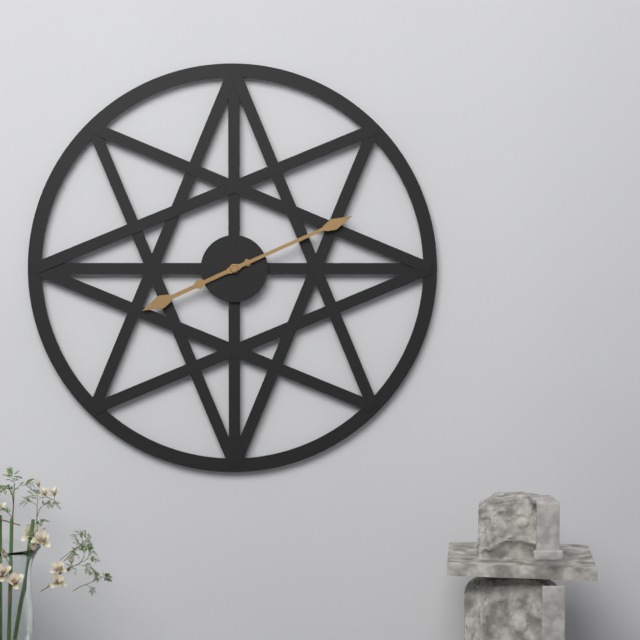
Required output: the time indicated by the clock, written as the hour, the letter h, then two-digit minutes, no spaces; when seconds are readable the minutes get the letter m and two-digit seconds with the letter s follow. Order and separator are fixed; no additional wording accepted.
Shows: 8h11
